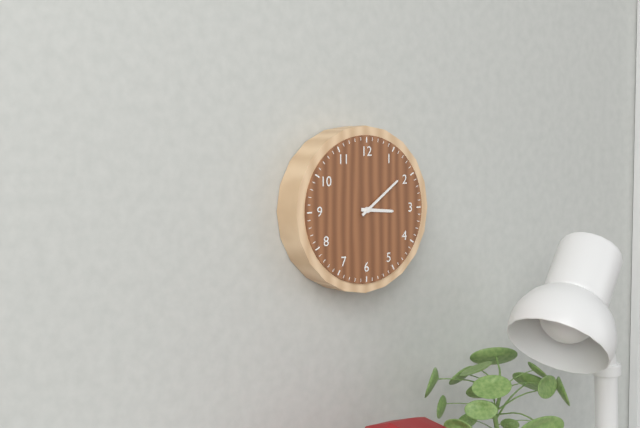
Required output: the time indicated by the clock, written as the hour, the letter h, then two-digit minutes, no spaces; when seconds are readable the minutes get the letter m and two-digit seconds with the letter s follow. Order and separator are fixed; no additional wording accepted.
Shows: 3h09
